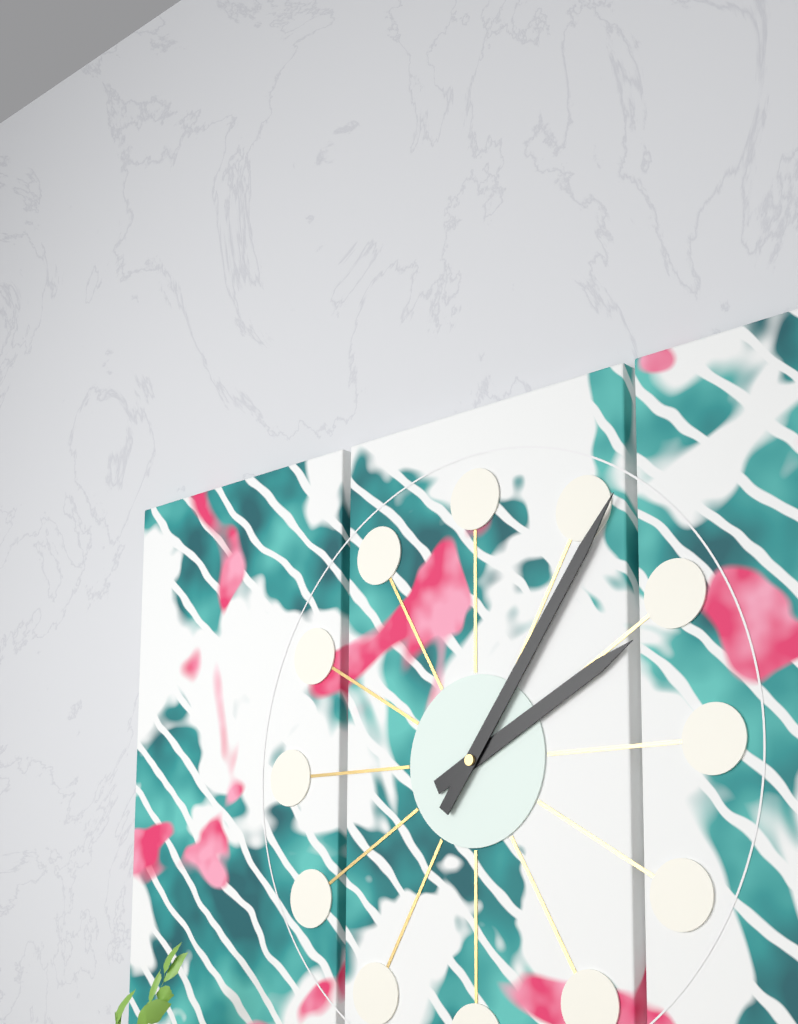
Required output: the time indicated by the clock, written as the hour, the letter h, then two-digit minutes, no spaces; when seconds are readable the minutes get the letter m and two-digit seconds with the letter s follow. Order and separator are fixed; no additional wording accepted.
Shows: 2h06
